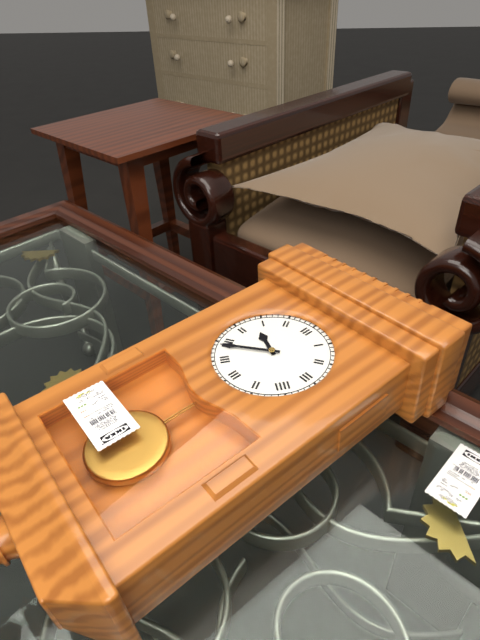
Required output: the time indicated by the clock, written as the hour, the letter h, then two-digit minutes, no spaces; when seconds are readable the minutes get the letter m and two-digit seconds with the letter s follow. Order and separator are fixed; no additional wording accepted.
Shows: 9h39
